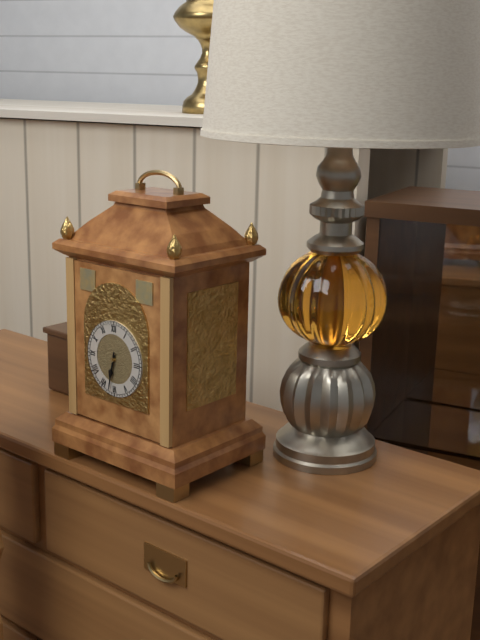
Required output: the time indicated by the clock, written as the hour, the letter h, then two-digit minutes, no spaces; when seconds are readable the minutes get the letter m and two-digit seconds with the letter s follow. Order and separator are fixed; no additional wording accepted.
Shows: 6h32
